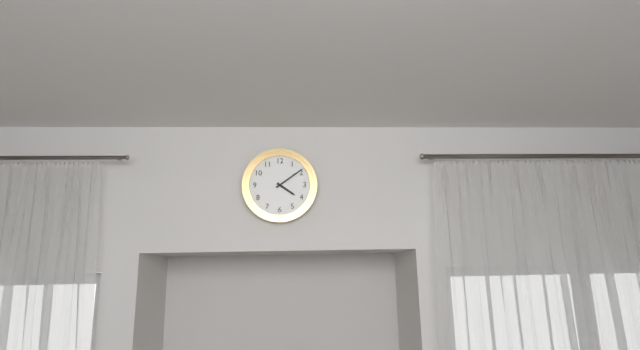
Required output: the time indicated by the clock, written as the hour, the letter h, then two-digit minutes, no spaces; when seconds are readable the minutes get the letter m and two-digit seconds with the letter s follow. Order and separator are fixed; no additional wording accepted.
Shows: 4h09
